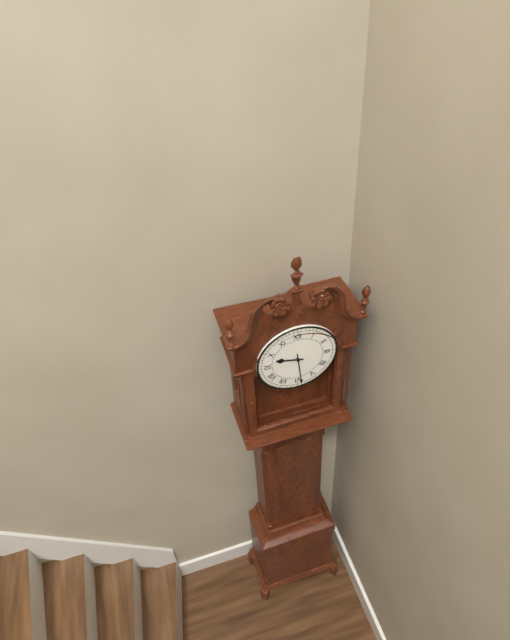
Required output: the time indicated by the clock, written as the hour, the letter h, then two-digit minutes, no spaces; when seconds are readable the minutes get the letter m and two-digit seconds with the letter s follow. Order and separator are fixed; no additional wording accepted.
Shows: 9h29
